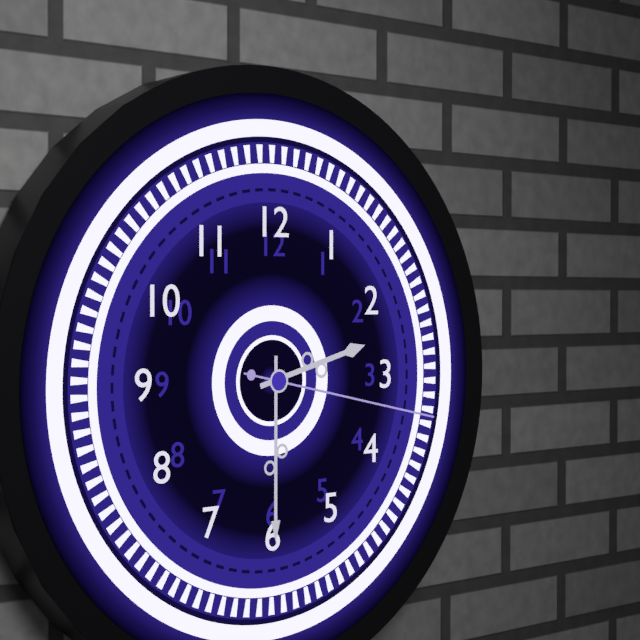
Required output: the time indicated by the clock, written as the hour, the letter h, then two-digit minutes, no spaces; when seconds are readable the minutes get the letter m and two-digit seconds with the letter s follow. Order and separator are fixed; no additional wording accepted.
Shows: 2h30m17s
